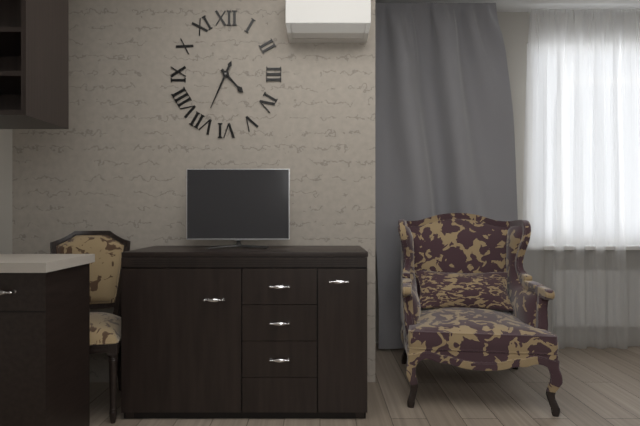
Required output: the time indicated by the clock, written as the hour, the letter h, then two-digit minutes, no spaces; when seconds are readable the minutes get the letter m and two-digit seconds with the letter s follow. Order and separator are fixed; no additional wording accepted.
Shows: 4h34
